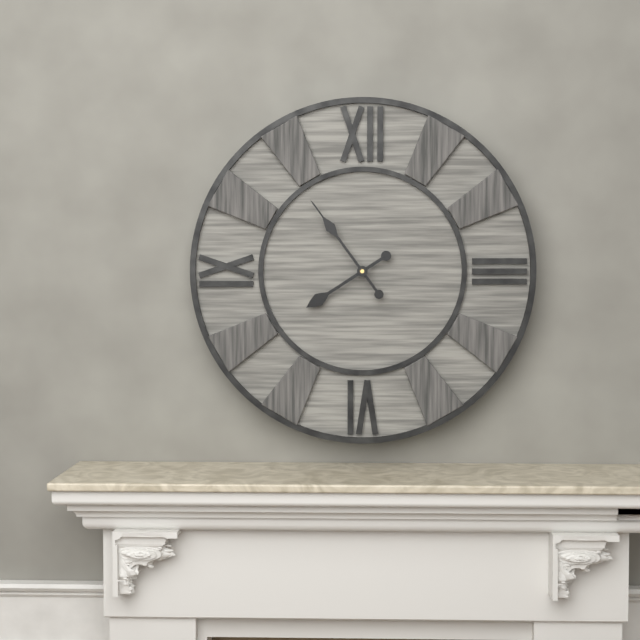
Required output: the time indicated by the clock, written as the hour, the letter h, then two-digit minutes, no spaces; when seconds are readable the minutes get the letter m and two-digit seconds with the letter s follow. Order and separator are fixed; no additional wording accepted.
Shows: 7h54
